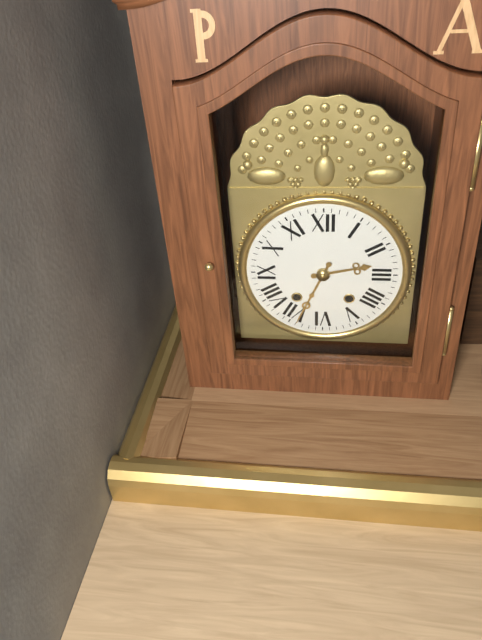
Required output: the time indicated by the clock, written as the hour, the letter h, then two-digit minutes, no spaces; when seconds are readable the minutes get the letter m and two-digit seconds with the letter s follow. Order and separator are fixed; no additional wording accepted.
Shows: 2h34
